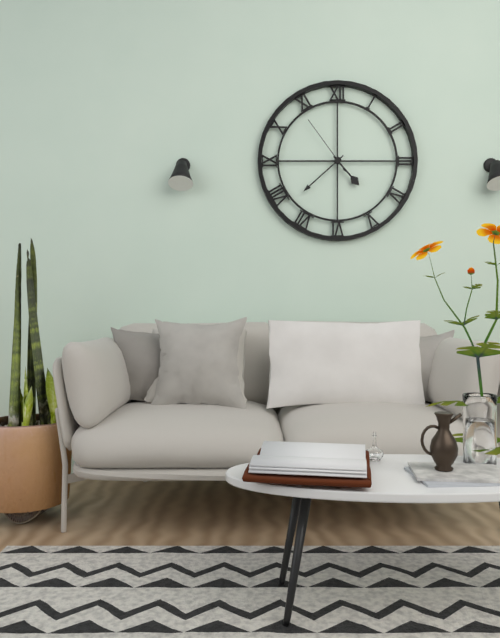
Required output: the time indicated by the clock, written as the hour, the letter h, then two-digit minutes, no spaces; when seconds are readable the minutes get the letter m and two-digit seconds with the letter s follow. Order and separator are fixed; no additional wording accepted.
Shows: 4h38m54s
